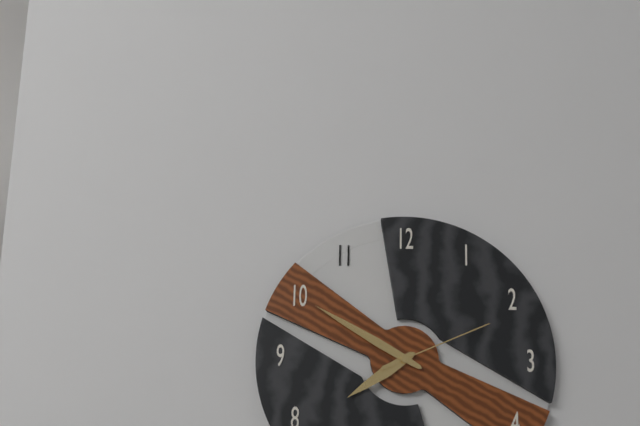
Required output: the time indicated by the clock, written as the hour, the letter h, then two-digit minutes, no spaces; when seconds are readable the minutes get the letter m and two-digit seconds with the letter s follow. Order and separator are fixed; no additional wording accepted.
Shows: 7h50m11s
